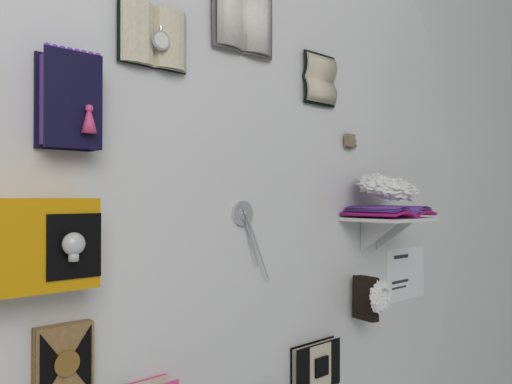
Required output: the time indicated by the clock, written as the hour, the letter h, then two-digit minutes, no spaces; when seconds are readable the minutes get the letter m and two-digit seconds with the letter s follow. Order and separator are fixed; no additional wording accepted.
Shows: 5h26
